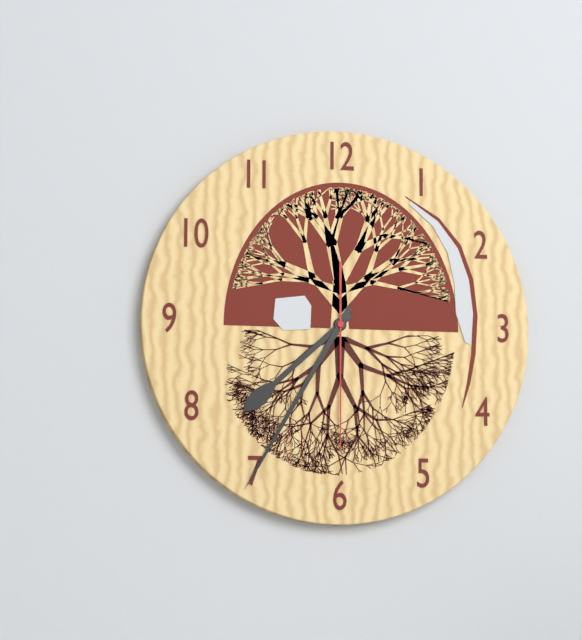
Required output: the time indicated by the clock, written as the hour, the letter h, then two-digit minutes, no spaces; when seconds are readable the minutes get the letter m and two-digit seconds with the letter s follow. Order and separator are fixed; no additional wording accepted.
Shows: 7h35m30s
